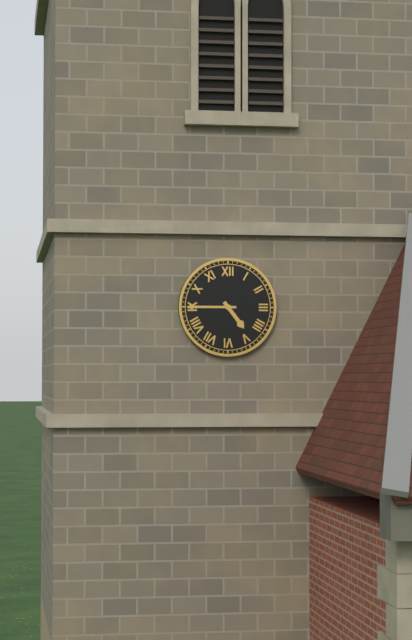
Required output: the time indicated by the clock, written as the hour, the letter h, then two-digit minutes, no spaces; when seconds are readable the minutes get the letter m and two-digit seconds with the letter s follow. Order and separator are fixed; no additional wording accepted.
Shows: 4h45
